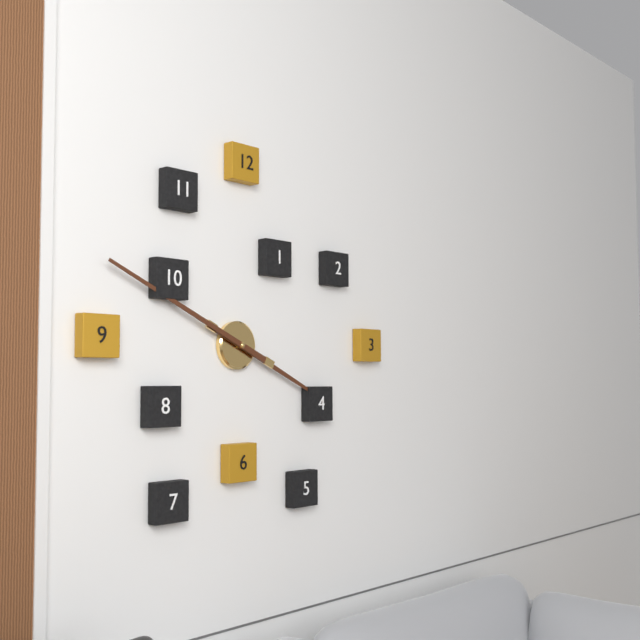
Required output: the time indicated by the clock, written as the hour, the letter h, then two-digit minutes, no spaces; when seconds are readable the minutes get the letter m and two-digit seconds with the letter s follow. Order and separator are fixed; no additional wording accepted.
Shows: 3h49
